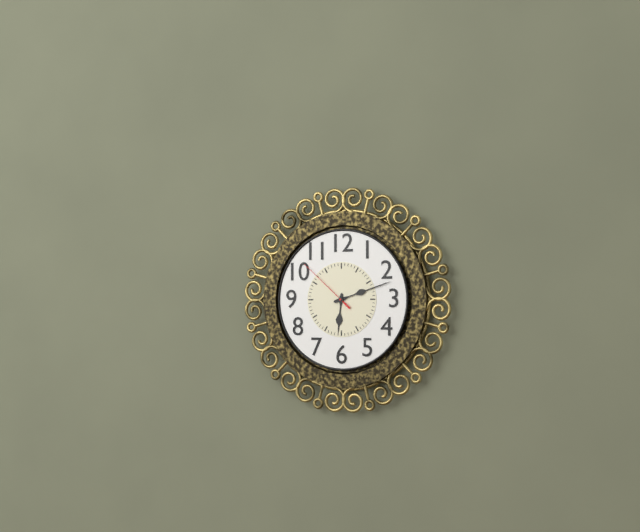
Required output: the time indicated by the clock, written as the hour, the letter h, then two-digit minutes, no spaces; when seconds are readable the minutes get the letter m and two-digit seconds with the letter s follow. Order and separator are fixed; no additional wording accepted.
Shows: 6h12m52s
